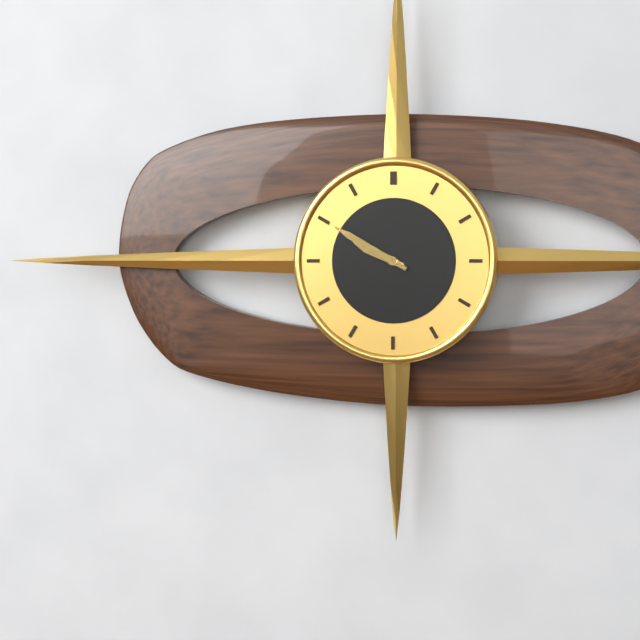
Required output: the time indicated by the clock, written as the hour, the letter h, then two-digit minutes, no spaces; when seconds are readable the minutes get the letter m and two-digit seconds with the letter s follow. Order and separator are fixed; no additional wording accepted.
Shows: 9h50
